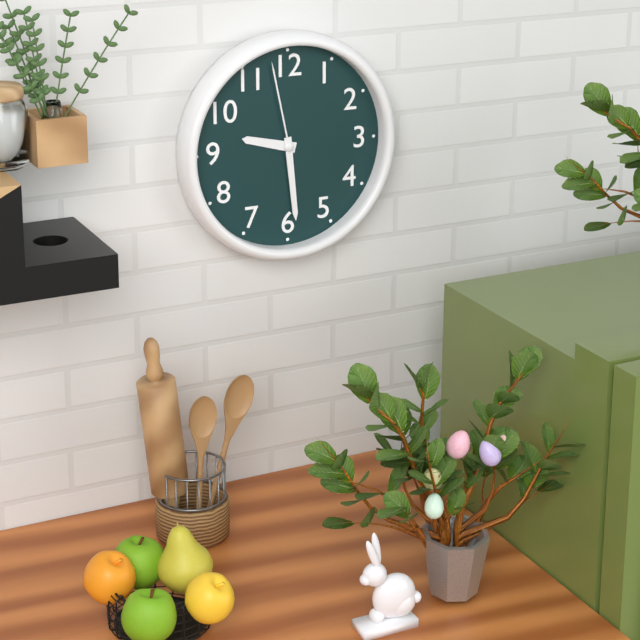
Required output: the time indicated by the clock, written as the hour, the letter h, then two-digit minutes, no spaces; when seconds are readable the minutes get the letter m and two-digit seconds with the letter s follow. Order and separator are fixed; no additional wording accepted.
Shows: 9h29m58s
